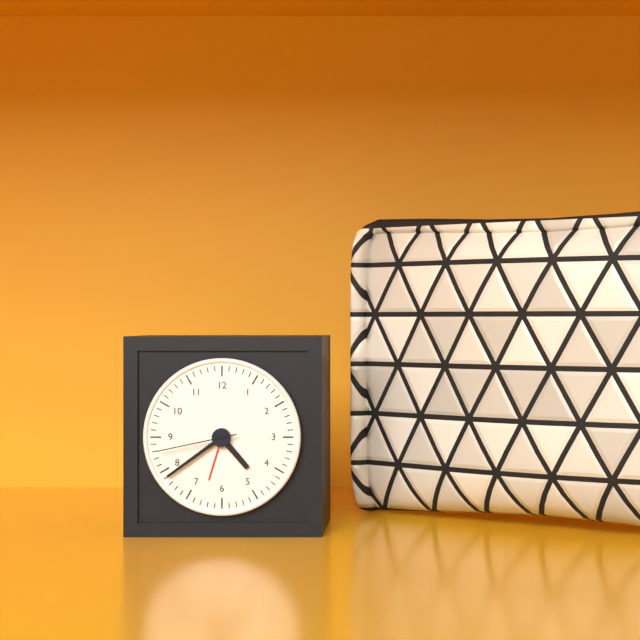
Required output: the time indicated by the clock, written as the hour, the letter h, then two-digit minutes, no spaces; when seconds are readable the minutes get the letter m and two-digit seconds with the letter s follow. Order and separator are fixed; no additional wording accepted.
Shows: 4h39m43s
